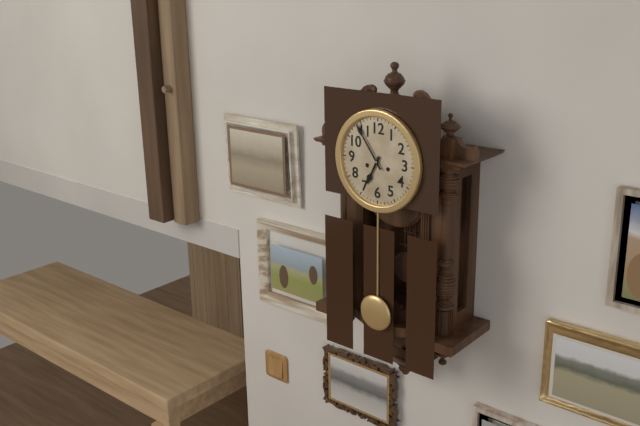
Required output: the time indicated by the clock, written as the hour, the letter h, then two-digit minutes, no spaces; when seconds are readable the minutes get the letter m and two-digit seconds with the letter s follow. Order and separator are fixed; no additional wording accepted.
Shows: 6h54
